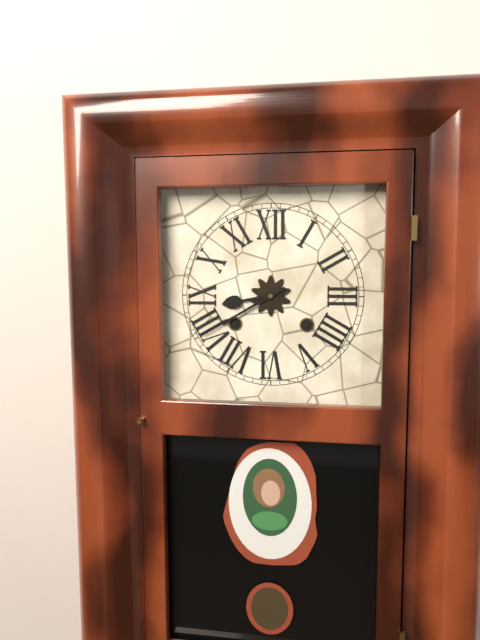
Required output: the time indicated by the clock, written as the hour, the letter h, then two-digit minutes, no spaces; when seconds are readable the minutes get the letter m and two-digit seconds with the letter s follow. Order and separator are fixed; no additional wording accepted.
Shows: 8h40
